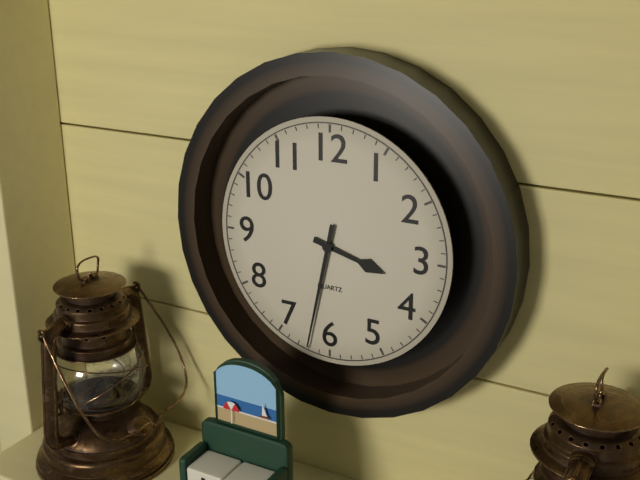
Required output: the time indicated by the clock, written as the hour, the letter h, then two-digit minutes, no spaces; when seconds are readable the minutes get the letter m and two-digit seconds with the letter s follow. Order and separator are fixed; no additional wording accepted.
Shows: 3h32
